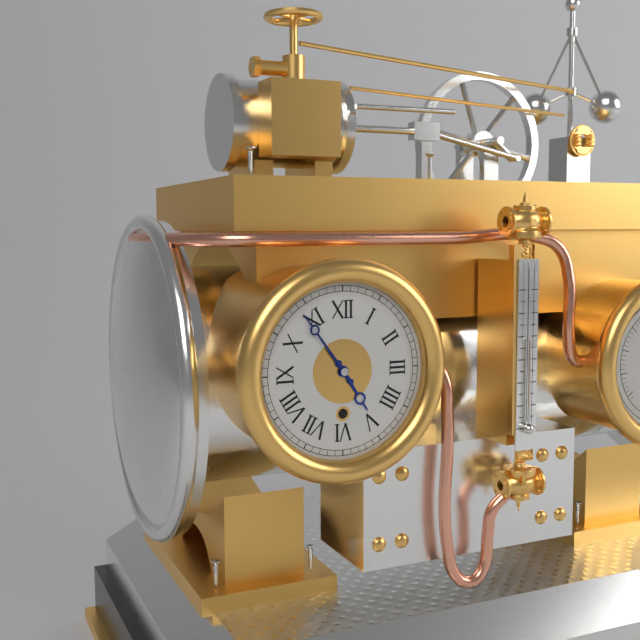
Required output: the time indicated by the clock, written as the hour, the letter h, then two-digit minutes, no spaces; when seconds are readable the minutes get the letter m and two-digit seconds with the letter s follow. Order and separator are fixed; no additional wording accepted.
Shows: 4h54
